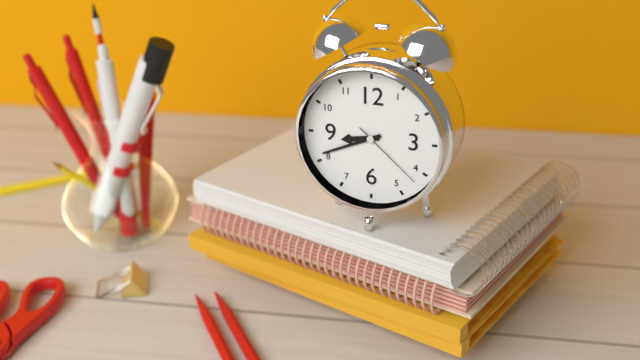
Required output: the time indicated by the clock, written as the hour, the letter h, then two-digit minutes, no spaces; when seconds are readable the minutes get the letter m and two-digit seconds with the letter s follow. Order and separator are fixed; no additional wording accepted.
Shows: 8h41m22s
